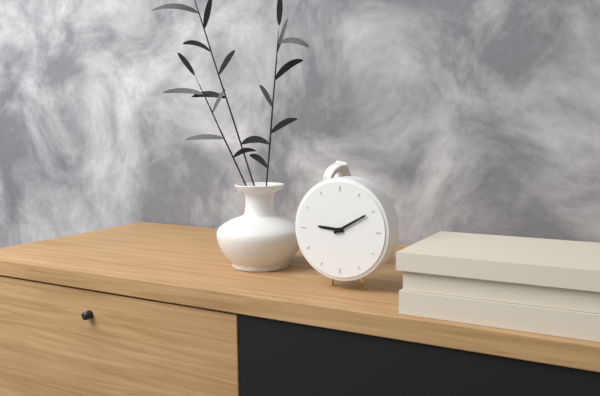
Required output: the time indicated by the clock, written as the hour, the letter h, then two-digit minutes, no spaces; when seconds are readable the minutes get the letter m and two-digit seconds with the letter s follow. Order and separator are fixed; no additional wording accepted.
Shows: 9h10
